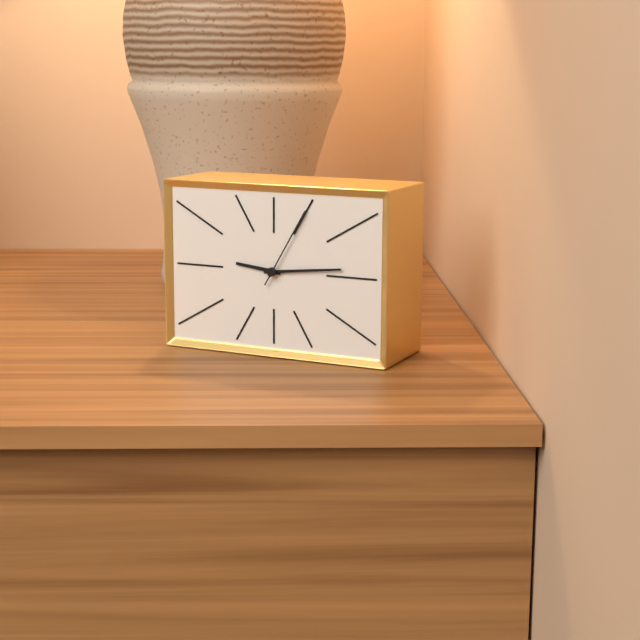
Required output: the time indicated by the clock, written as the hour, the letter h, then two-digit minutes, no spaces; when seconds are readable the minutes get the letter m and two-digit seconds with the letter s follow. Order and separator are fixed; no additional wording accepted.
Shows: 9h14m05s
